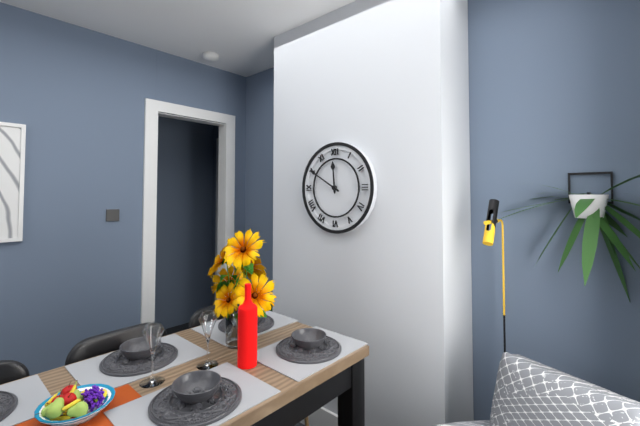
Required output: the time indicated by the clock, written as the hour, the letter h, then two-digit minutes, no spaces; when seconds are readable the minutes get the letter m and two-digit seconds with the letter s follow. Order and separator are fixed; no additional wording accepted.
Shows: 11h50
